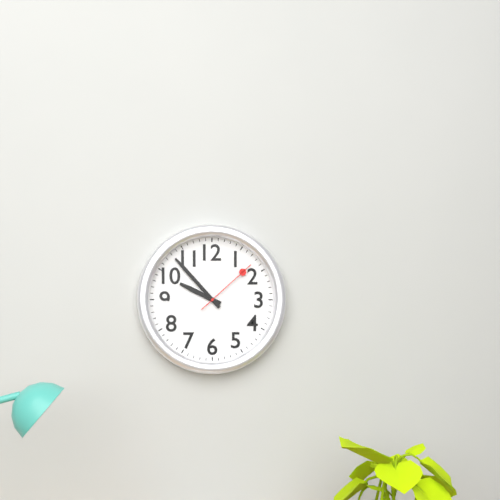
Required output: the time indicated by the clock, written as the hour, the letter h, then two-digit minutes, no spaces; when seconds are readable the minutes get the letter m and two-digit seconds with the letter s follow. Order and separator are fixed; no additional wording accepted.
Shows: 9h53m08s
